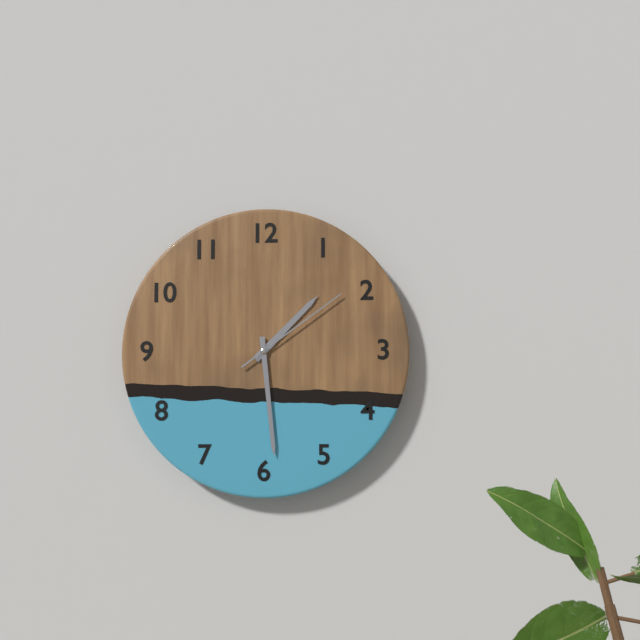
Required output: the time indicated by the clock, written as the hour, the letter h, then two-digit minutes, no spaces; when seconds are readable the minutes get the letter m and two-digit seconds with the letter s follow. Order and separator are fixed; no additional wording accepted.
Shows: 1h29m09s
